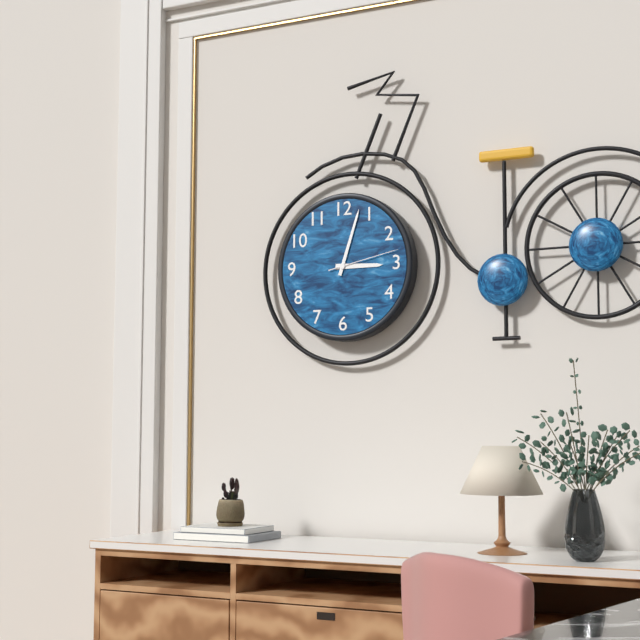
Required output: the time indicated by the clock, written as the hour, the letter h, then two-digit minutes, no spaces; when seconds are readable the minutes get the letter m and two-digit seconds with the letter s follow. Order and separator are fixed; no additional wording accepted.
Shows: 3h03m13s
